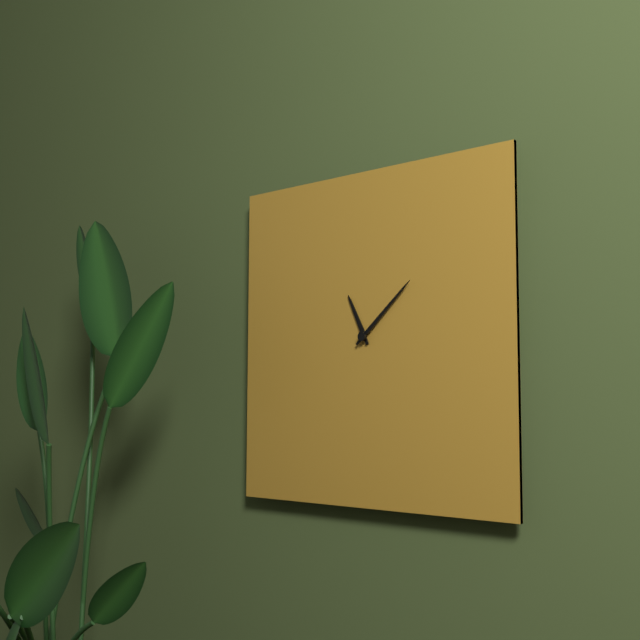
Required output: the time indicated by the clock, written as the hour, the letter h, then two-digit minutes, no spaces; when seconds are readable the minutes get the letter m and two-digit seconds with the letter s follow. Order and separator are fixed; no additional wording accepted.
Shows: 11h08
